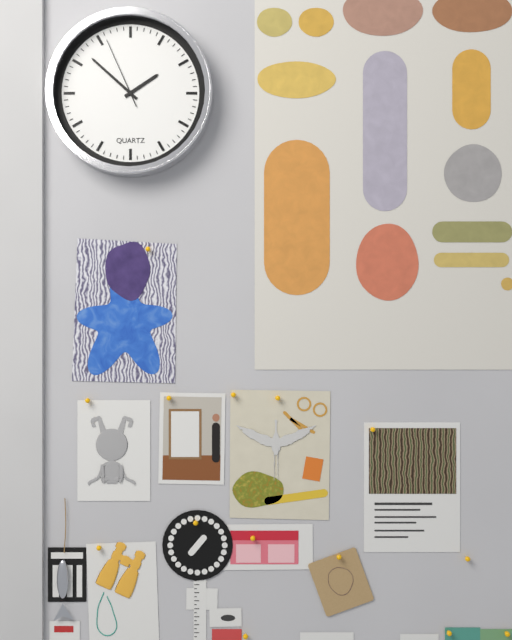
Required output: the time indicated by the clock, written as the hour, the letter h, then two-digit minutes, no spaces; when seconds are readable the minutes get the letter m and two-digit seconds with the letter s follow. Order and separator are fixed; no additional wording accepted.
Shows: 1h52m56s
